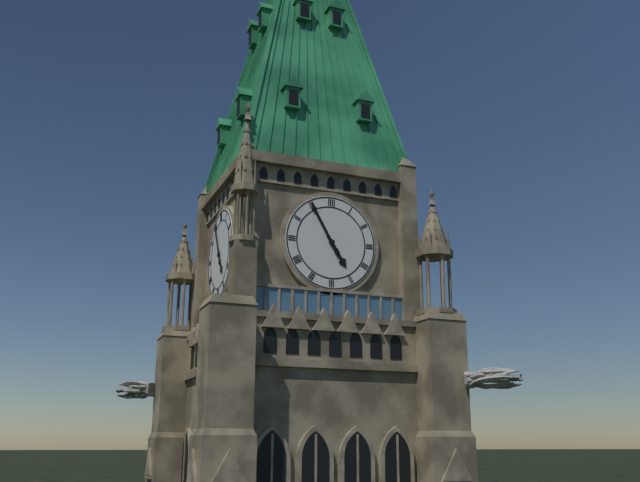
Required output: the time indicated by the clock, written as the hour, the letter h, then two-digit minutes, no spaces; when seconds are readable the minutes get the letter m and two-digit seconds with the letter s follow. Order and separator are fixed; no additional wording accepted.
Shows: 4h55
